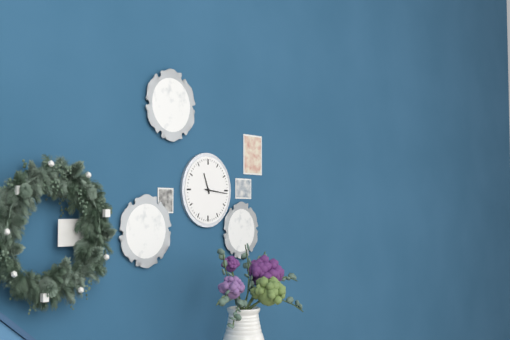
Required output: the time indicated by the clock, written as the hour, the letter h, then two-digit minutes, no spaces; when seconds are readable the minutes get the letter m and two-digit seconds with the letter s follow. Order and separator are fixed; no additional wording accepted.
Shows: 11h16
